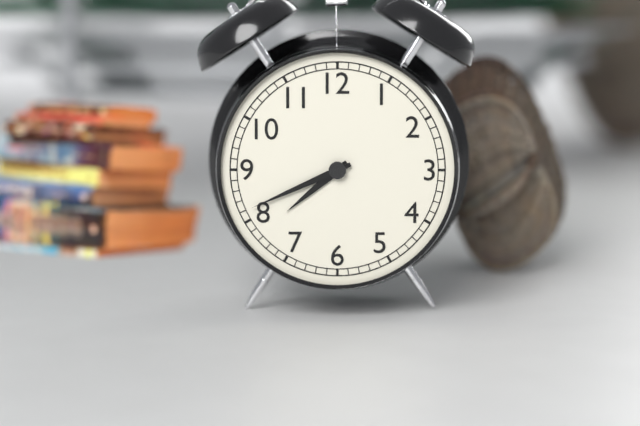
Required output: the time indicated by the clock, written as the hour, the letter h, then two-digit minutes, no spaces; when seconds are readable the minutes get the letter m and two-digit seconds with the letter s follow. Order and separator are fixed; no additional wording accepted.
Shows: 7h41
